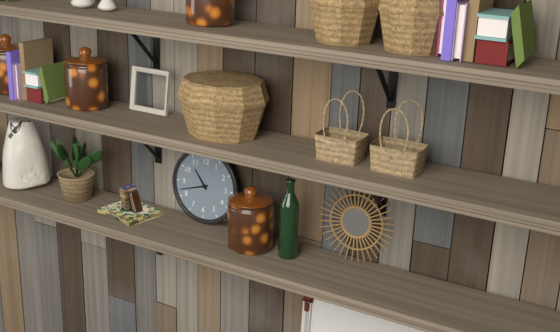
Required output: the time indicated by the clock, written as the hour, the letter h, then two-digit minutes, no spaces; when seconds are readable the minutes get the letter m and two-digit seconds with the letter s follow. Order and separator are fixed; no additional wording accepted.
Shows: 10h42
